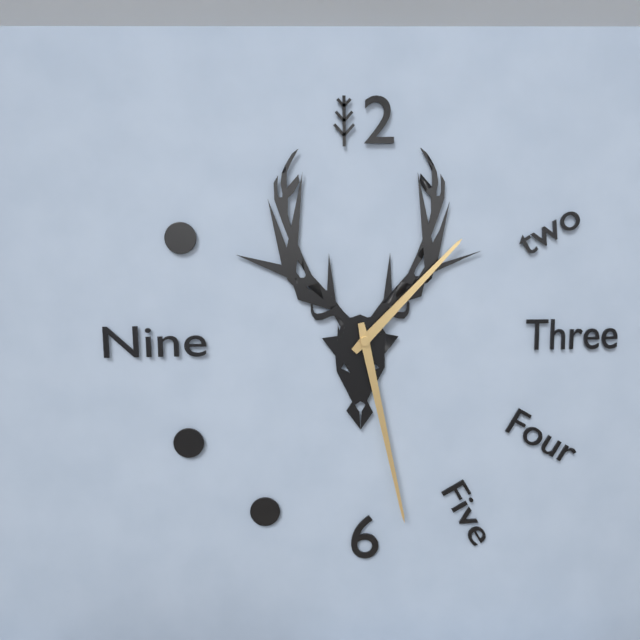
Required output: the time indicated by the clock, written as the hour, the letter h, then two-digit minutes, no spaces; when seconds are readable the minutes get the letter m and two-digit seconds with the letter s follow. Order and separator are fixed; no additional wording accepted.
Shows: 1h28
